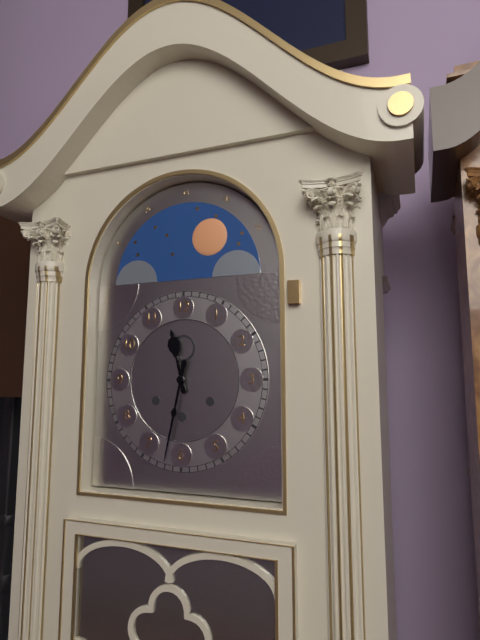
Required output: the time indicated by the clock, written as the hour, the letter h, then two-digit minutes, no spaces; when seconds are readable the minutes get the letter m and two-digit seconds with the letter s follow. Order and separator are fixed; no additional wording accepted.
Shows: 11h32
